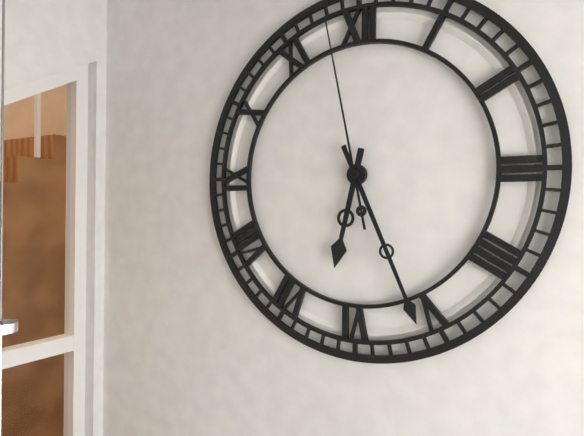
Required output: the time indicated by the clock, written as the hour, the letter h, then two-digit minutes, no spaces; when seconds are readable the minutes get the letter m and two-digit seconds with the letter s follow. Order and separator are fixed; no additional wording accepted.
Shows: 6h26m58s
